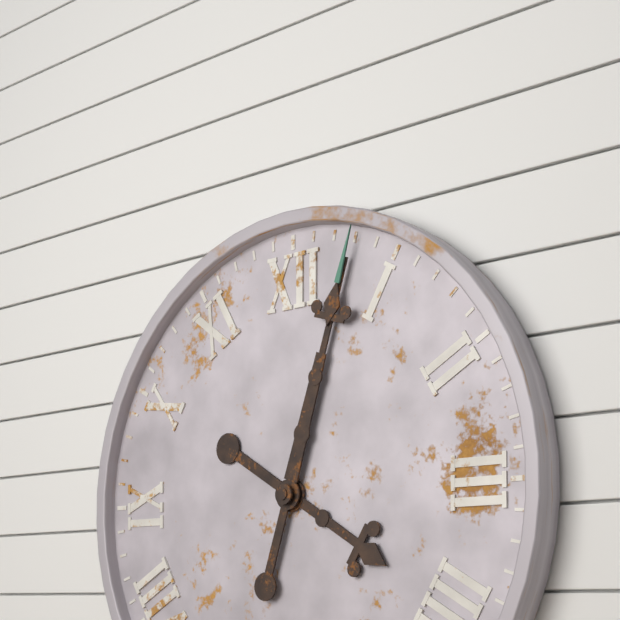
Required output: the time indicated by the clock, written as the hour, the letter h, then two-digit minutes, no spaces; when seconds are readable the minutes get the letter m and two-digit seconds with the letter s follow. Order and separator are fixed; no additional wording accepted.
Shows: 4h03
